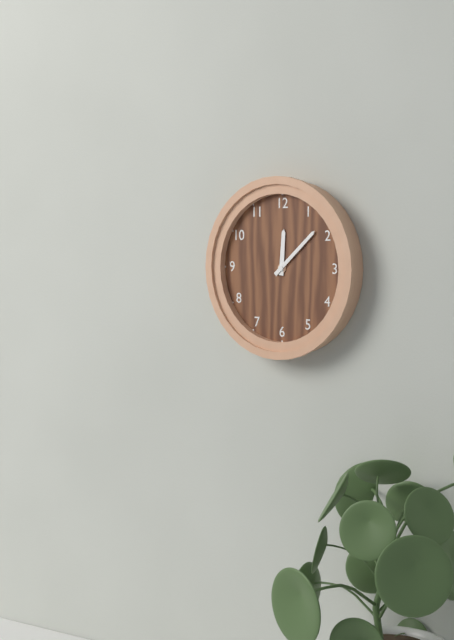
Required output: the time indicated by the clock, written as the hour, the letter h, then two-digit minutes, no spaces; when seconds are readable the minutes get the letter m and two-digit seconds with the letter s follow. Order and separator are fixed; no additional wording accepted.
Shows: 12h08
